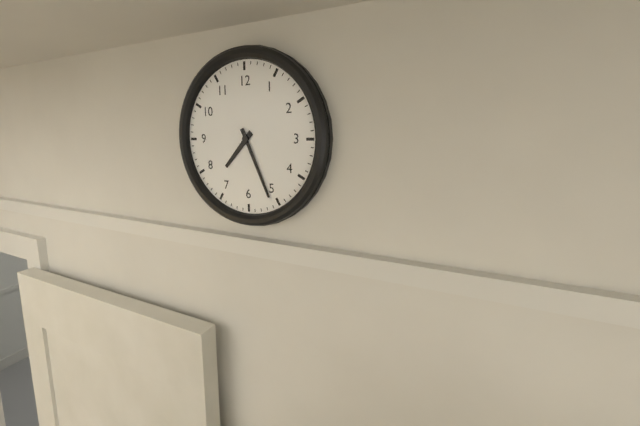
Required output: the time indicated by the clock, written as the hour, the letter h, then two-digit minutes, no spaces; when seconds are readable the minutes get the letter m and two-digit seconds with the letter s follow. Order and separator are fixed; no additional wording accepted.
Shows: 7h26
